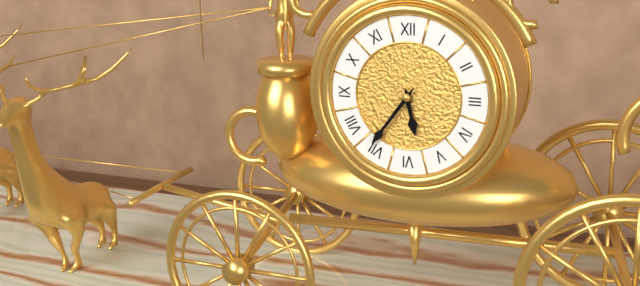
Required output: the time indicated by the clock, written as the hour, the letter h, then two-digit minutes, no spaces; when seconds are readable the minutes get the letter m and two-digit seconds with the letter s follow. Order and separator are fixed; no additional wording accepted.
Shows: 5h36
